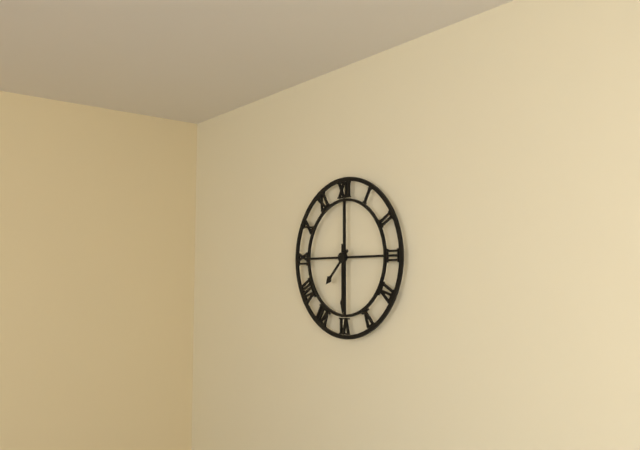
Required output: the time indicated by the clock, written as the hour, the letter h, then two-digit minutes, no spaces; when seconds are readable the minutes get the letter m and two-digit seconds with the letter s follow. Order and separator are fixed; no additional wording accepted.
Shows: 7h30
